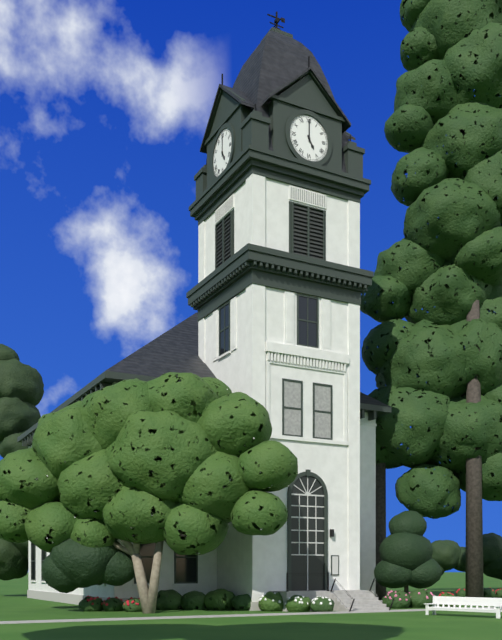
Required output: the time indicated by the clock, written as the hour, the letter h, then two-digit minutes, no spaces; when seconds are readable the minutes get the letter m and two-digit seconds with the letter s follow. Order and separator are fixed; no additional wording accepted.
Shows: 5h00
